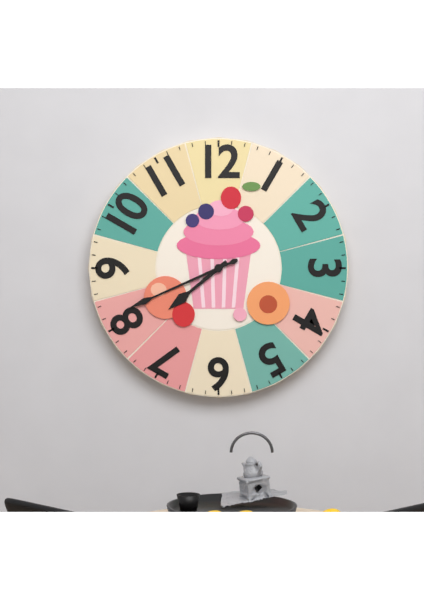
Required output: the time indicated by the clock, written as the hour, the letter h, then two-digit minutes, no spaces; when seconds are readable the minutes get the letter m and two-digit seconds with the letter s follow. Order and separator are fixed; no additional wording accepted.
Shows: 7h41
